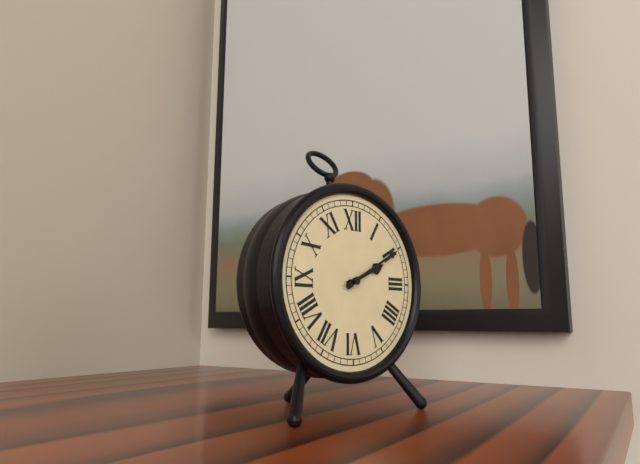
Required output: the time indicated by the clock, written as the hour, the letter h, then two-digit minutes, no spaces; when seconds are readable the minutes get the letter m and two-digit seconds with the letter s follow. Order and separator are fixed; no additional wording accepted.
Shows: 2h10
